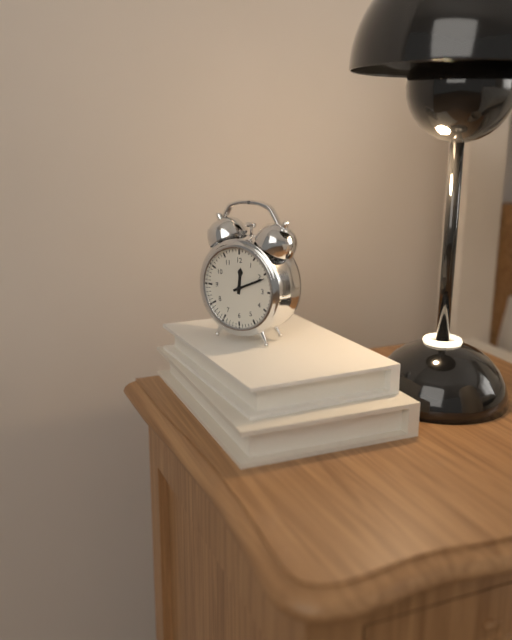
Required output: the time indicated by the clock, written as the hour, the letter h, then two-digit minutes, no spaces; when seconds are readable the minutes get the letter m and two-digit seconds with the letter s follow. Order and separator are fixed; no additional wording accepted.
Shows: 12h11
